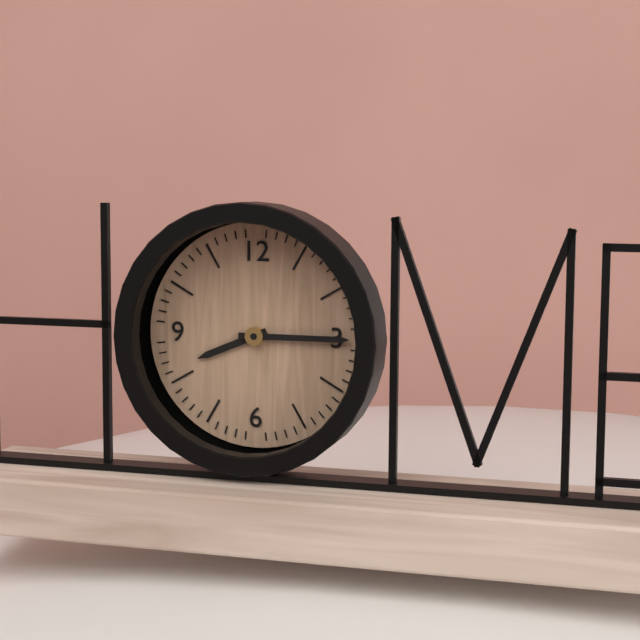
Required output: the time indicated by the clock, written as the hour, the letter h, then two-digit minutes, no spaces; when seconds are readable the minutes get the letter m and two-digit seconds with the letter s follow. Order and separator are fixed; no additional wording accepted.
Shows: 8h15
